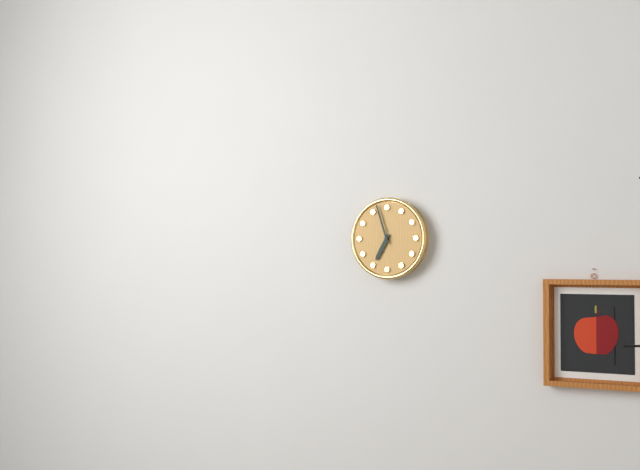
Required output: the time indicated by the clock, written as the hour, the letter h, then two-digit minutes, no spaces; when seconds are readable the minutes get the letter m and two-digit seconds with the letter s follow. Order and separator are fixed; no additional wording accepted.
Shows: 6h57
